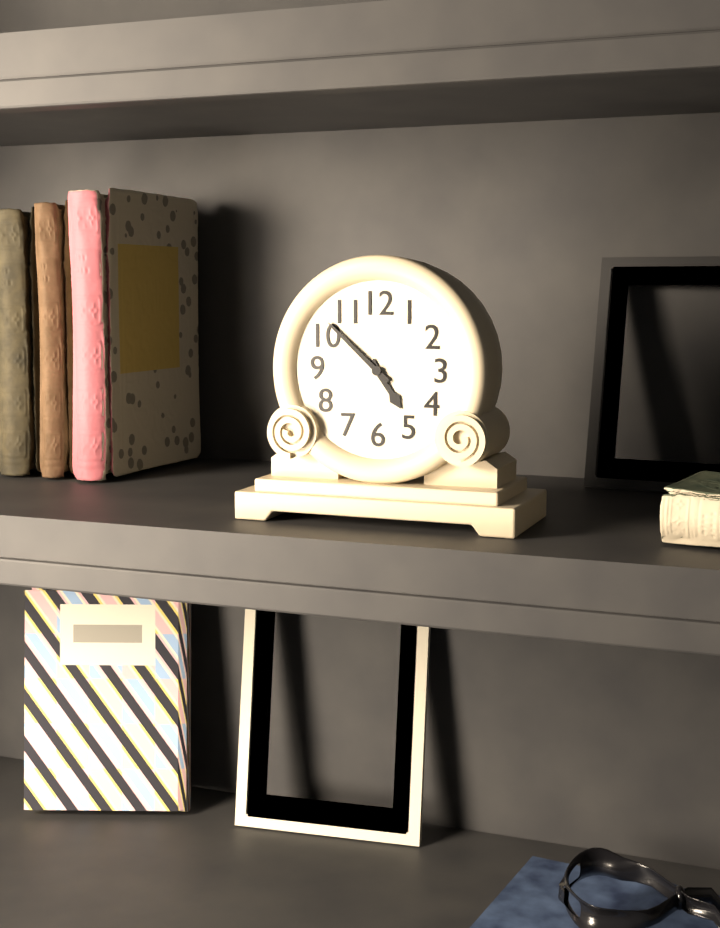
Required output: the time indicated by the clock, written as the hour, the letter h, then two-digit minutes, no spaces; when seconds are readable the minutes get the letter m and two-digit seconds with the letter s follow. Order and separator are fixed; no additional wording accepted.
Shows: 4h52
